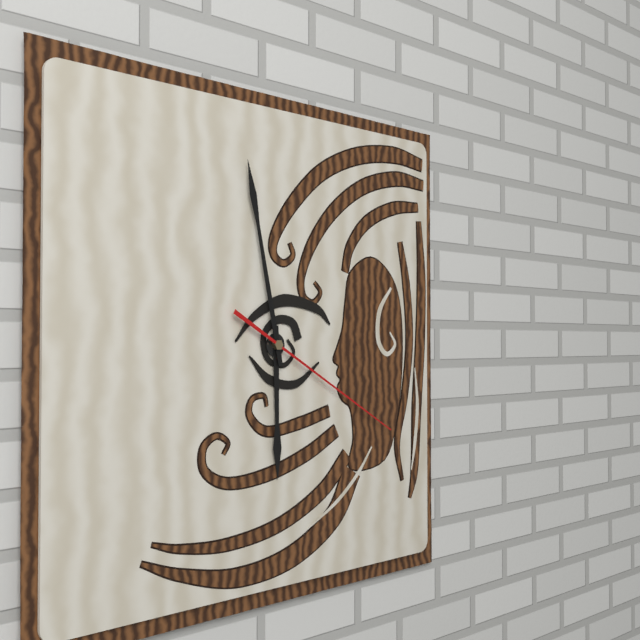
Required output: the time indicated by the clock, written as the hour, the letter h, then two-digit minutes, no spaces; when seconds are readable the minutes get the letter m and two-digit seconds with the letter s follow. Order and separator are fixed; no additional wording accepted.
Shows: 5h58m20s
